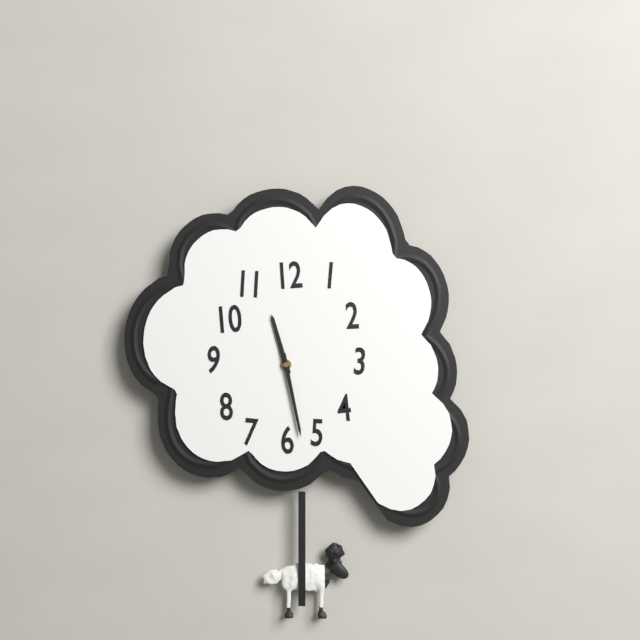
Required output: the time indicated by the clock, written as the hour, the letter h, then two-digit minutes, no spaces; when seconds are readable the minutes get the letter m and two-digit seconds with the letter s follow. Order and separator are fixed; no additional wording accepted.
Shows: 11h28
